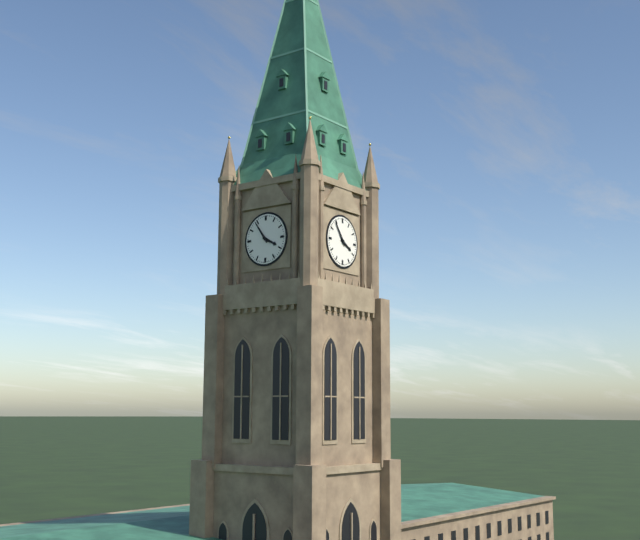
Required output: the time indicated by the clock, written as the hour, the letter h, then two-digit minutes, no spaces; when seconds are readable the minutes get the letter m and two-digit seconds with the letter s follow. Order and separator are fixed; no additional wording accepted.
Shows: 3h54
